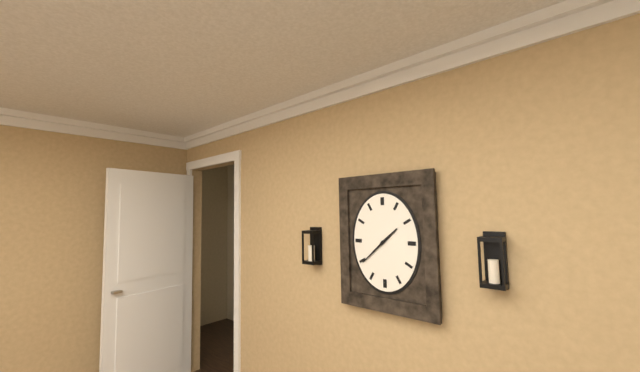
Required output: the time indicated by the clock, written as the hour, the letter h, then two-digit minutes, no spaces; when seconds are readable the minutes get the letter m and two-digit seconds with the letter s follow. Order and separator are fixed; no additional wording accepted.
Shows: 1h38
